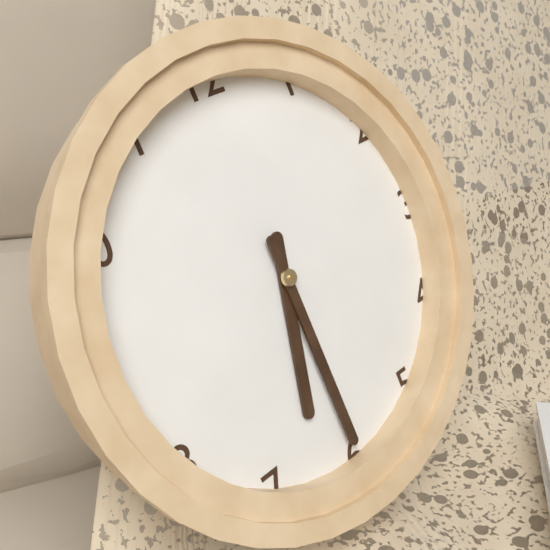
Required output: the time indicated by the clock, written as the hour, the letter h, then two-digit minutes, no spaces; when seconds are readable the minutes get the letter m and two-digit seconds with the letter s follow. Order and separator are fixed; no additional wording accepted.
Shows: 6h30
